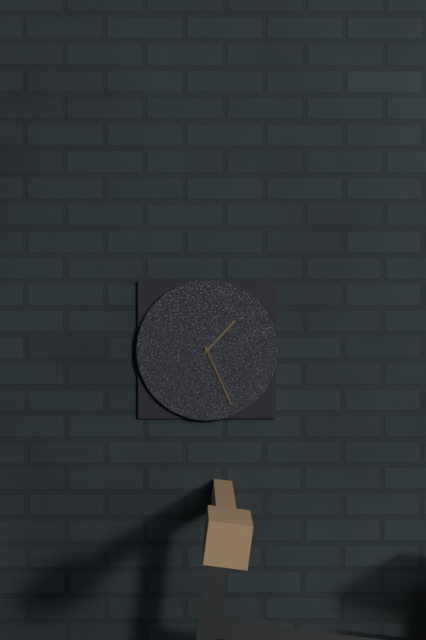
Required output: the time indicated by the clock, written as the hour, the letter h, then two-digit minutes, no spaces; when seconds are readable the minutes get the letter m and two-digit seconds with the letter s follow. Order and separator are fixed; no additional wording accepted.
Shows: 1h26
